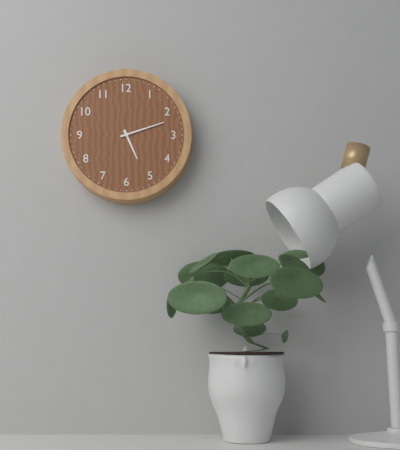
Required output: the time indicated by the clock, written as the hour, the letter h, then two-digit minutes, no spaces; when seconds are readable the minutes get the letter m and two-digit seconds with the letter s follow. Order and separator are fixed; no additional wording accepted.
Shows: 5h12
